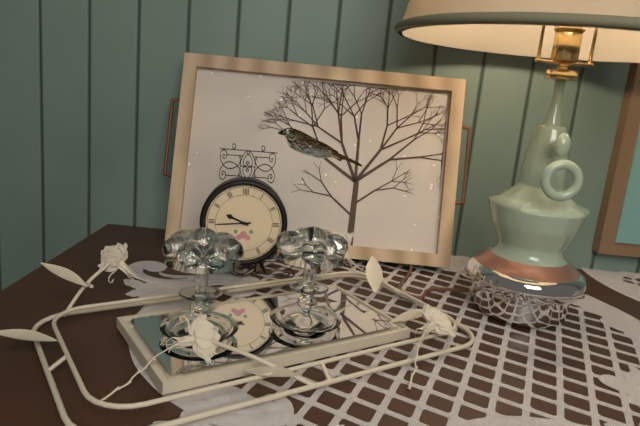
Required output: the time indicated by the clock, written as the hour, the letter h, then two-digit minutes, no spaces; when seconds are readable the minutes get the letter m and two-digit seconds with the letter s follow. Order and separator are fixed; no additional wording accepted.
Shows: 9h44
